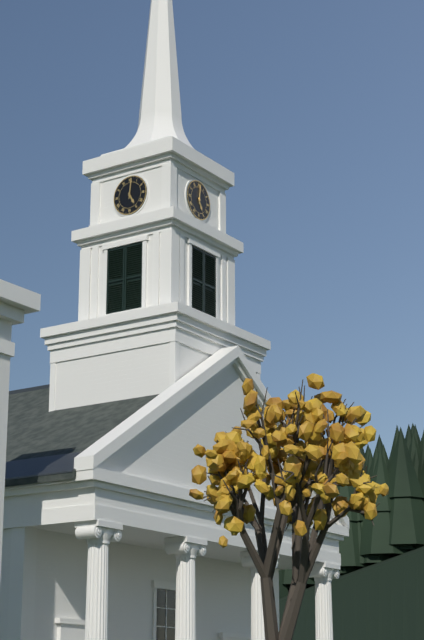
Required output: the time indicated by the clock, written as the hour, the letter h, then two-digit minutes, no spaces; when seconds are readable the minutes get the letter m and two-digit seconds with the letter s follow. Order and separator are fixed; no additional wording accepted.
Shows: 5h01
